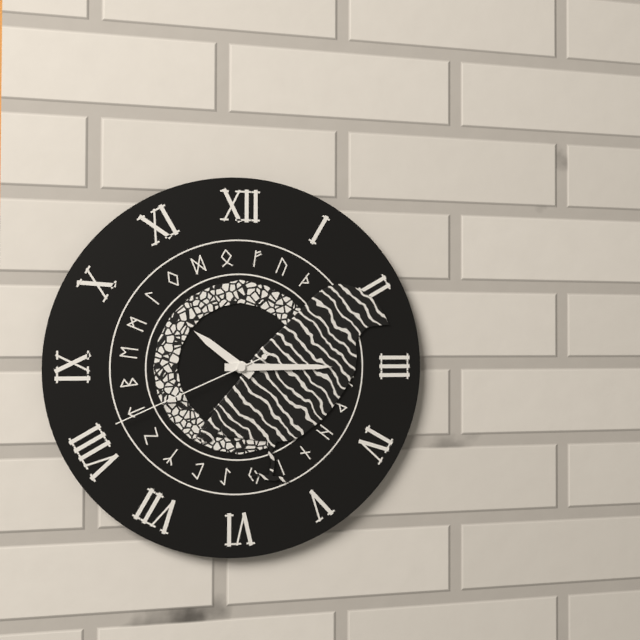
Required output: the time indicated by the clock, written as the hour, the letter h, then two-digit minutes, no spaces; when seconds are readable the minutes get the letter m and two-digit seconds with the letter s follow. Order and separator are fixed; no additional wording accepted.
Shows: 10h15m41s
